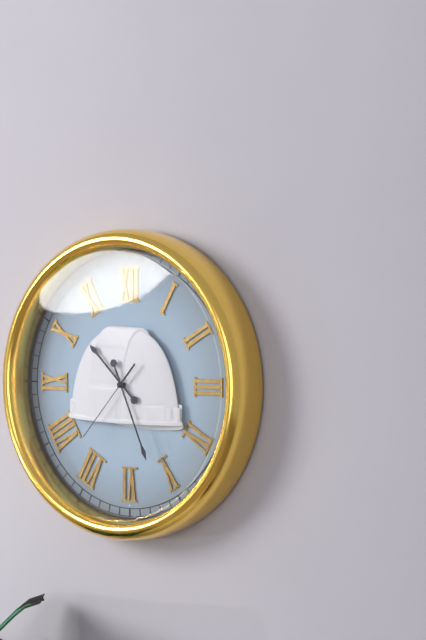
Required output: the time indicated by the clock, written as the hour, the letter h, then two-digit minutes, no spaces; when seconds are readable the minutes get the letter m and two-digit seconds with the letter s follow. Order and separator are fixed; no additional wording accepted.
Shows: 10h26m37s
